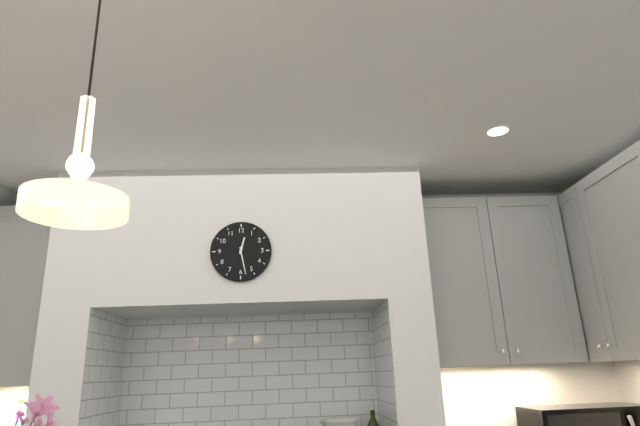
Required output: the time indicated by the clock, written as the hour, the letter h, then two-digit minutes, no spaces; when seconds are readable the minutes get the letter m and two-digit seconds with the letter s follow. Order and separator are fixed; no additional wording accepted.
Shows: 12h28
